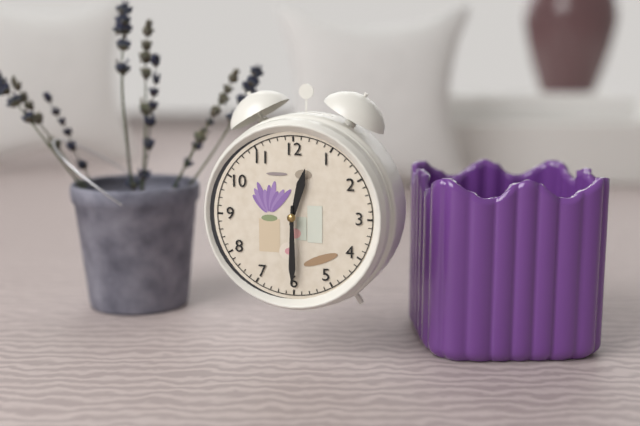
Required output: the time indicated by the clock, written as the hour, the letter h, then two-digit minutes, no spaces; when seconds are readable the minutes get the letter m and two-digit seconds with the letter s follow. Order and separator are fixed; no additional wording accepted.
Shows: 12h30
